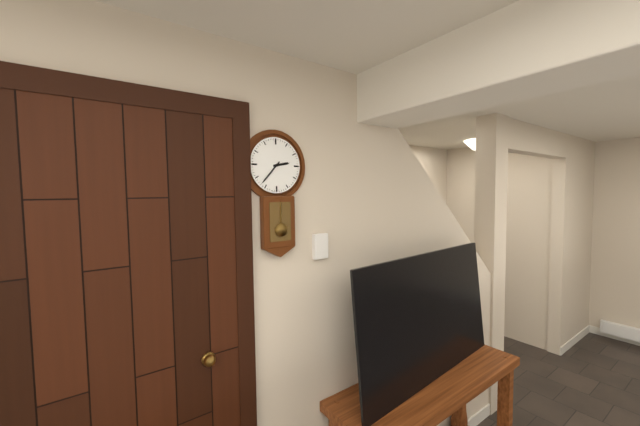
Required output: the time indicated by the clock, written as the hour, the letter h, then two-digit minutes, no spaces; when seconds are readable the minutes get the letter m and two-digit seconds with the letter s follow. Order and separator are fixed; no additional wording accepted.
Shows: 2h37
